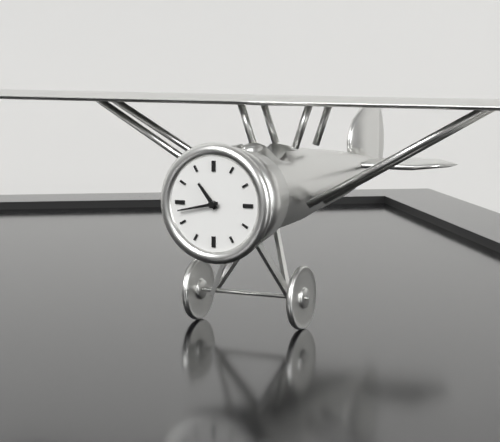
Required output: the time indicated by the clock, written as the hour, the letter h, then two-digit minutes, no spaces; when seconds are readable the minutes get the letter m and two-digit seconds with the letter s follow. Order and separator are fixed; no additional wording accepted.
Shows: 10h43
